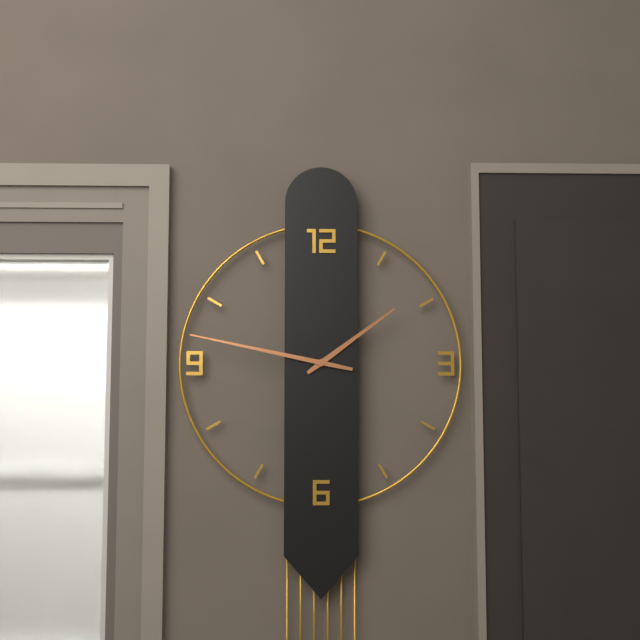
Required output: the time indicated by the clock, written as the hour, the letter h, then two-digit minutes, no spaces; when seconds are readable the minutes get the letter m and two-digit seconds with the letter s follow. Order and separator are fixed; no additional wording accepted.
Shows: 1h47
